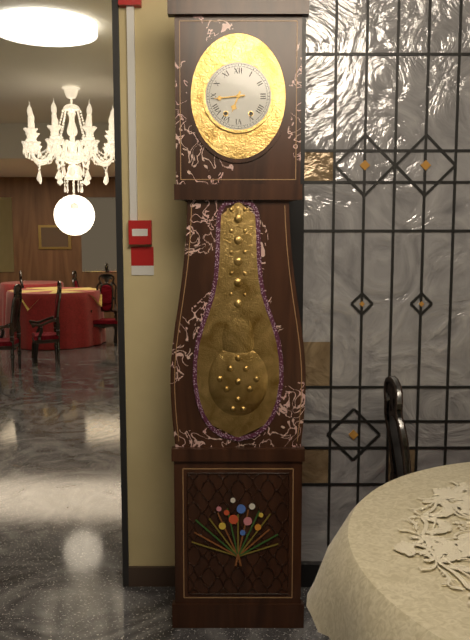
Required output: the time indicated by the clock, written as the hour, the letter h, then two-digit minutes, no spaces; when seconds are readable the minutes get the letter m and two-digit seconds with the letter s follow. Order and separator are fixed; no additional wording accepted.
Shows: 6h44
